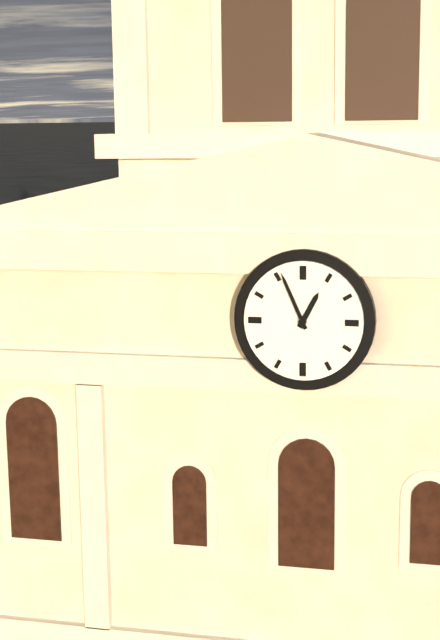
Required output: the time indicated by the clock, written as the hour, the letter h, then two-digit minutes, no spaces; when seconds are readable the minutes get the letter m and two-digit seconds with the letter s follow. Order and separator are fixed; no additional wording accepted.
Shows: 12h56
